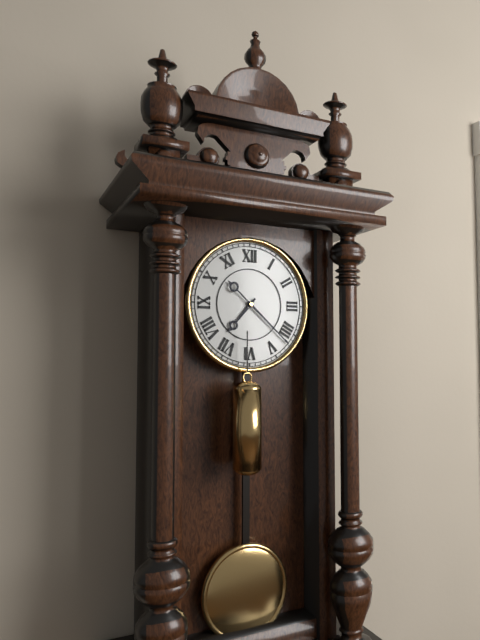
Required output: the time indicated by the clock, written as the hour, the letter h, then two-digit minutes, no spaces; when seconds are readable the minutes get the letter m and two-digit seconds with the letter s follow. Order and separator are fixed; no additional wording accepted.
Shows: 7h22
